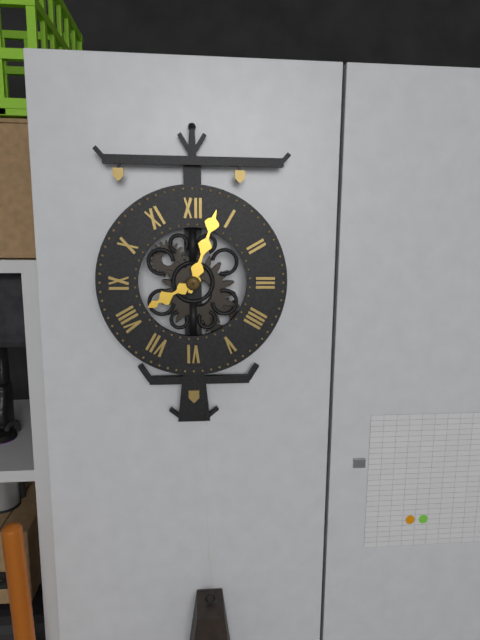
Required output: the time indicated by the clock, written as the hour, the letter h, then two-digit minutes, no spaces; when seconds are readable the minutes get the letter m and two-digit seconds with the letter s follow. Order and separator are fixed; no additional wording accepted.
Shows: 8h03
